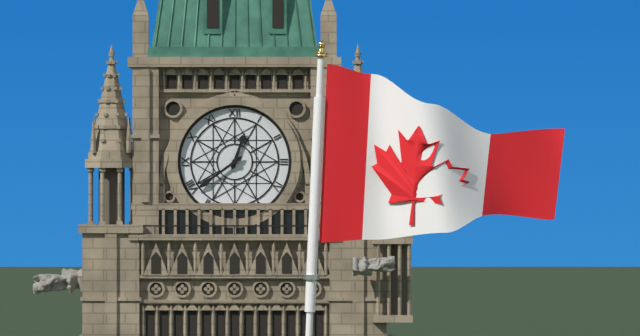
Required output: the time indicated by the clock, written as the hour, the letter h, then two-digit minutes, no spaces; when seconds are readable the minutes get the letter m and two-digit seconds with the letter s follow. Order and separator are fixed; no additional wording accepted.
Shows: 12h39
